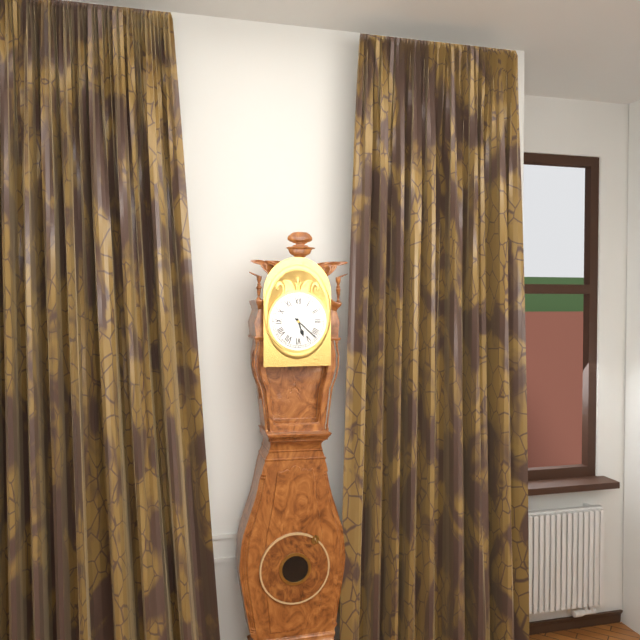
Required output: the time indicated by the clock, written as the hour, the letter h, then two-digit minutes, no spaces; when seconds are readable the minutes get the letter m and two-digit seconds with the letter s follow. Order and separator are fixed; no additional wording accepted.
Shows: 5h22
